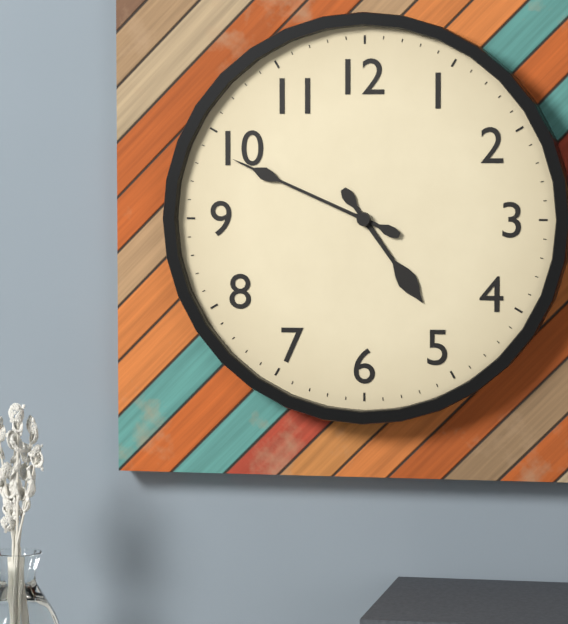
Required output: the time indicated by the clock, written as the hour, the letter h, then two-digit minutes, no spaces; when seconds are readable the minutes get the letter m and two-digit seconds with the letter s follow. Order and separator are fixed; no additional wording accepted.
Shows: 4h49
